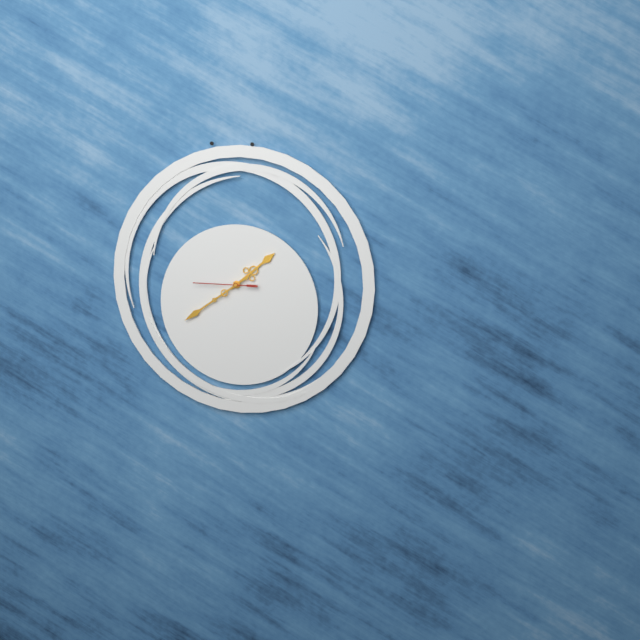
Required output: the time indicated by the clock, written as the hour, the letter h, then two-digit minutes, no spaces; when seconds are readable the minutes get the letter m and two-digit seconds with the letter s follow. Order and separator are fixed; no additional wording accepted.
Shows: 1h39m45s
